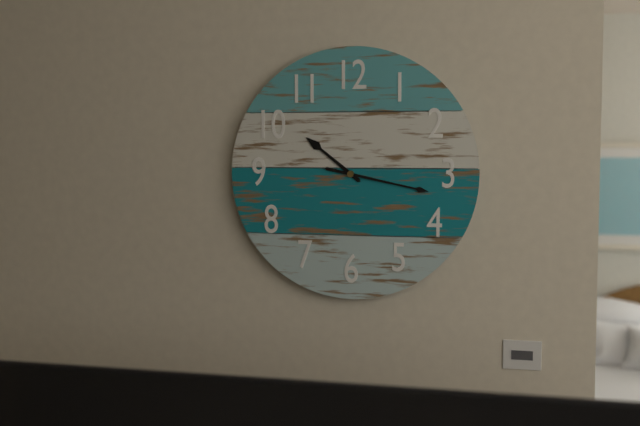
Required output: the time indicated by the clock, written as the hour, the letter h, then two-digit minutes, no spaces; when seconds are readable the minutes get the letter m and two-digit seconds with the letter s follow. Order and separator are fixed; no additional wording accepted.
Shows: 10h17
